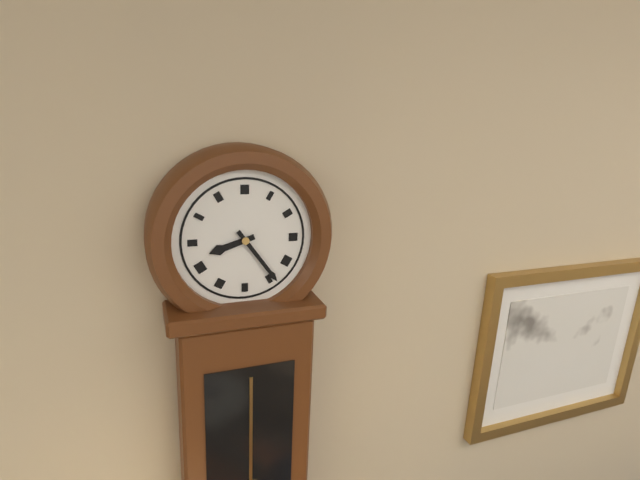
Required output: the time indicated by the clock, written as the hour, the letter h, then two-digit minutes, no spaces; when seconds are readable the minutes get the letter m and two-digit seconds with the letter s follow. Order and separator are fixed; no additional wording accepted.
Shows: 8h24
